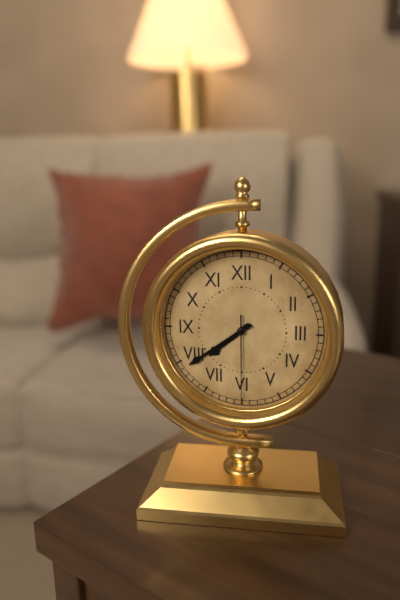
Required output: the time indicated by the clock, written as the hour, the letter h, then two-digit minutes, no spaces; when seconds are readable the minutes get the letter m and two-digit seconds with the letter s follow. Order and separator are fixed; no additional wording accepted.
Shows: 7h39m30s
